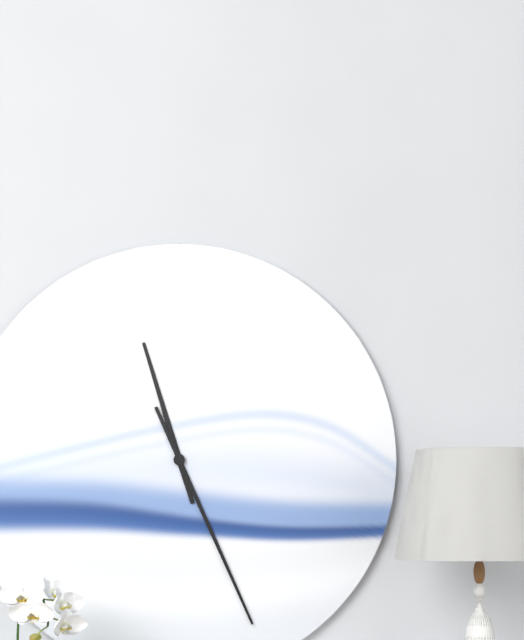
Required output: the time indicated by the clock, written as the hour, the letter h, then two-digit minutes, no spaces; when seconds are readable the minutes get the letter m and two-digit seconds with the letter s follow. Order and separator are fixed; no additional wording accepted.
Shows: 11h26
